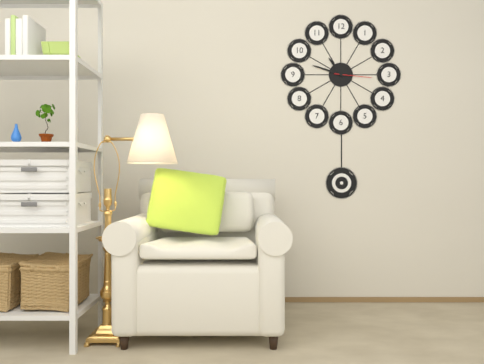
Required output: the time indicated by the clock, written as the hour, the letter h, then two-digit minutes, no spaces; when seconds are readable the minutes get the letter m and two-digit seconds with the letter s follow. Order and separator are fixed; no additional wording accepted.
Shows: 10h48
